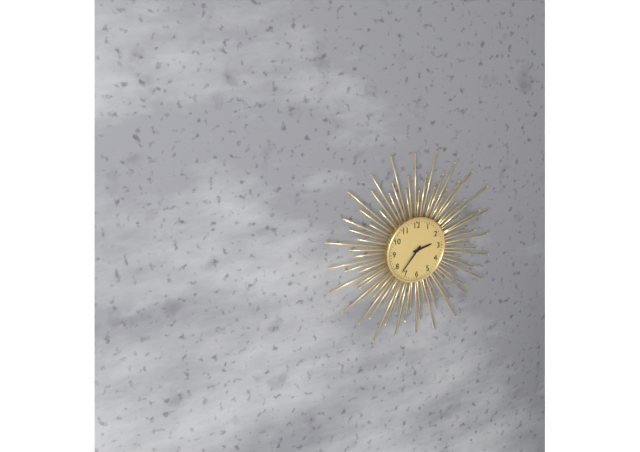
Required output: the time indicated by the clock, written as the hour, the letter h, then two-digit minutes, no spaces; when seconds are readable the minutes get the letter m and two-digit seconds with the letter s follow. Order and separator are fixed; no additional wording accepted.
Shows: 2h37
